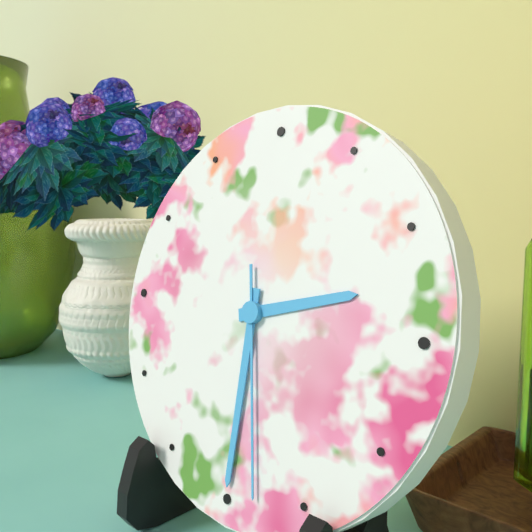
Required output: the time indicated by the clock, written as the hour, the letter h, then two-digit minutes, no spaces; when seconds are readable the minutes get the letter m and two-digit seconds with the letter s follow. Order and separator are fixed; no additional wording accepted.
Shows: 2h30m28s
